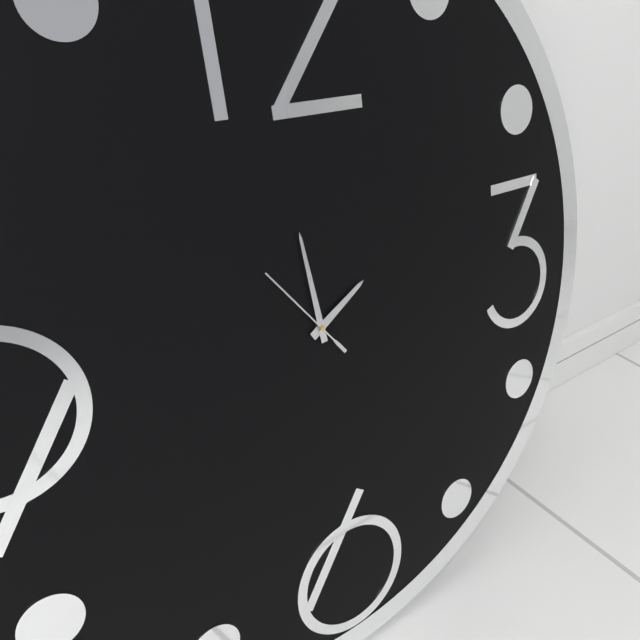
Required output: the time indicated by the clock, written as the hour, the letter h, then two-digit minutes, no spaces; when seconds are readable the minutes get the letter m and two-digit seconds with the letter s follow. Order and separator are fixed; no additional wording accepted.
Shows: 1h59m54s
